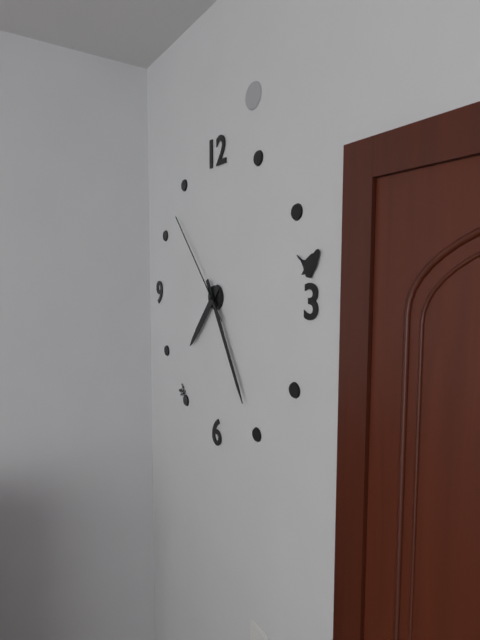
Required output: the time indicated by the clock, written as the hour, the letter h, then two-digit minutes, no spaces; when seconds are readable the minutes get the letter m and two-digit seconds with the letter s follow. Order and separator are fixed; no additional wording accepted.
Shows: 7h25m53s
